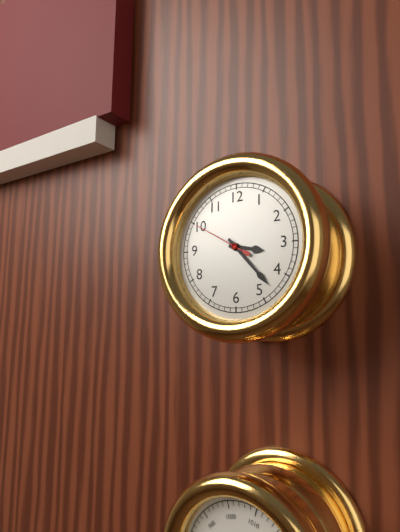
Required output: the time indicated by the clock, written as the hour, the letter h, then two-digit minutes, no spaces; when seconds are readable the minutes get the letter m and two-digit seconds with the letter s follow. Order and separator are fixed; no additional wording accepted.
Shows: 3h23m50s
